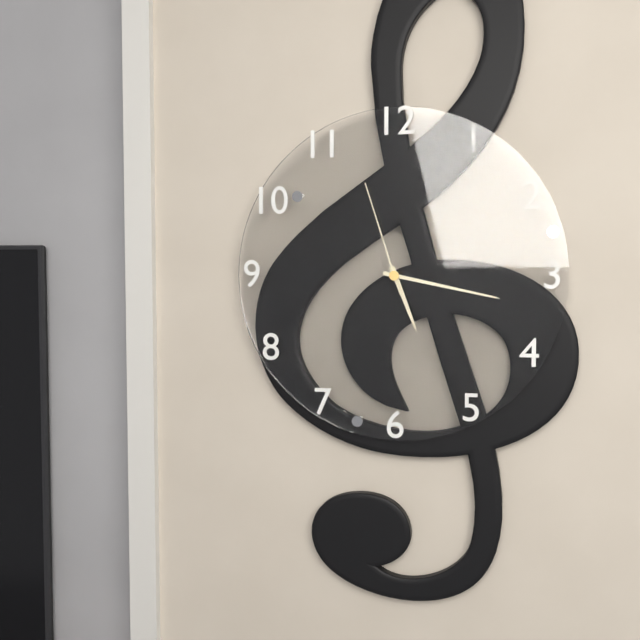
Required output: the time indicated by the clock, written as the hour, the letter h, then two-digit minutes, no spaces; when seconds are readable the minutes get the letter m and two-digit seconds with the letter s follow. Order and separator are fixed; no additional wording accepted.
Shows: 5h17m57s
